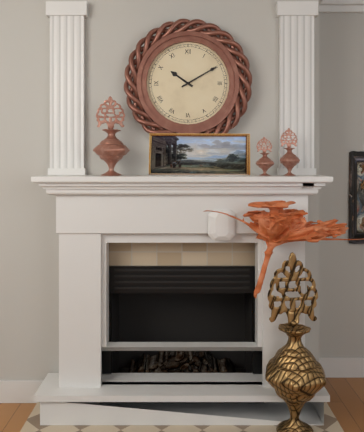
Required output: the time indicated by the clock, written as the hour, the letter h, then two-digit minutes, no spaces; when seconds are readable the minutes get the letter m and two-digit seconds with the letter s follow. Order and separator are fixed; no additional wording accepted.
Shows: 10h10
